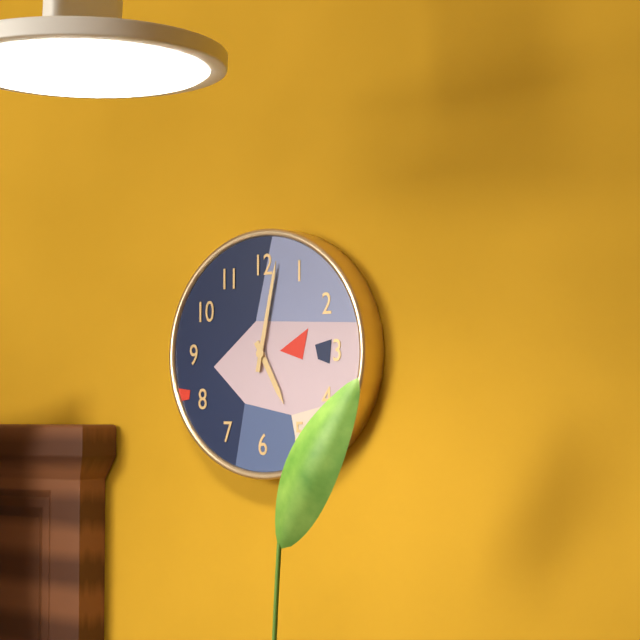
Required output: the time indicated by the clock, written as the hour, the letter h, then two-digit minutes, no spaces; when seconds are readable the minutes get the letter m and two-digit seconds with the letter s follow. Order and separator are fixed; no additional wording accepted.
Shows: 5h02
